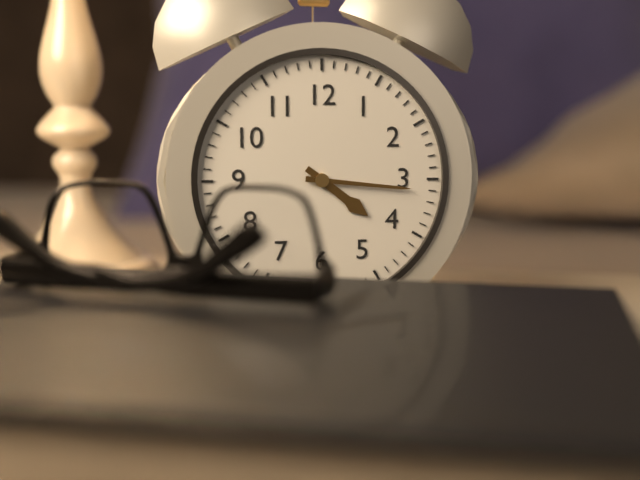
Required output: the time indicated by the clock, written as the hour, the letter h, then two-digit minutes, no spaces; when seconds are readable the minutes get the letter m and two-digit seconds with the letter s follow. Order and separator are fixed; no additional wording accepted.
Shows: 4h16
